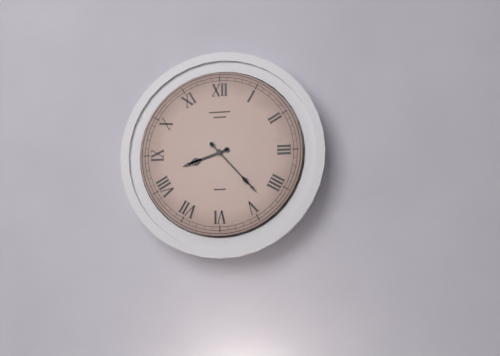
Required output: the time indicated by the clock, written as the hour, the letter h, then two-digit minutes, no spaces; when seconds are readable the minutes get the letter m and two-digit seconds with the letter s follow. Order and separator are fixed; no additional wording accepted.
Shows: 8h23
